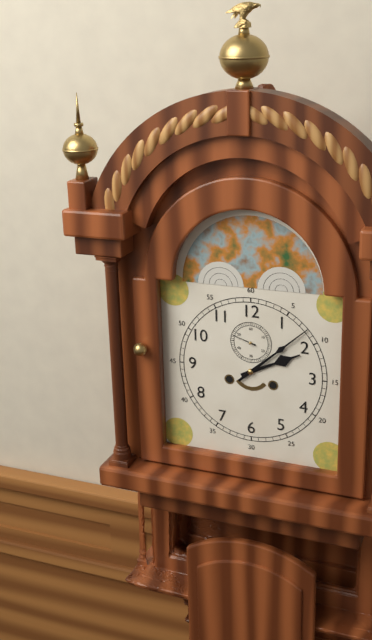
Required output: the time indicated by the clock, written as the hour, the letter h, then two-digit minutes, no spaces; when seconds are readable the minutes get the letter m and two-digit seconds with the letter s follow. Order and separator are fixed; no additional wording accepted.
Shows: 2h08
